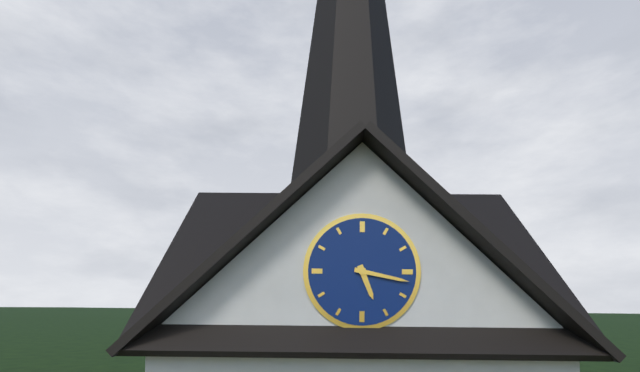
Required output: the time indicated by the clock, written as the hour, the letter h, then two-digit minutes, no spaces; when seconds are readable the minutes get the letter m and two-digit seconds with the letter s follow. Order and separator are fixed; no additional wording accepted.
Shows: 5h17
